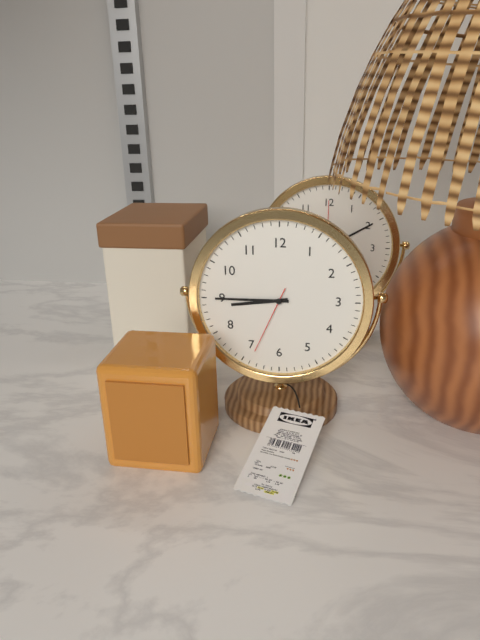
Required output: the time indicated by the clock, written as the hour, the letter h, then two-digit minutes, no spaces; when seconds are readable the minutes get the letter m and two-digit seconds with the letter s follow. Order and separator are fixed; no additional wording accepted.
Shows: 8h45m34s
